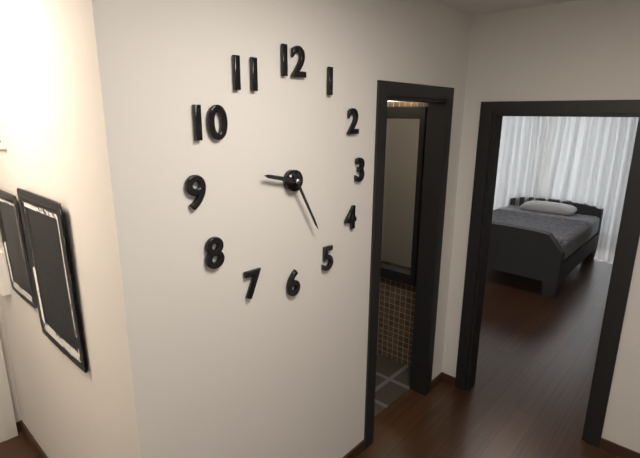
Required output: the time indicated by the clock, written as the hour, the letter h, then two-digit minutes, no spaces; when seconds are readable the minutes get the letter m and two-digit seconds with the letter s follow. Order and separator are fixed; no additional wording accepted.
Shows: 9h25
